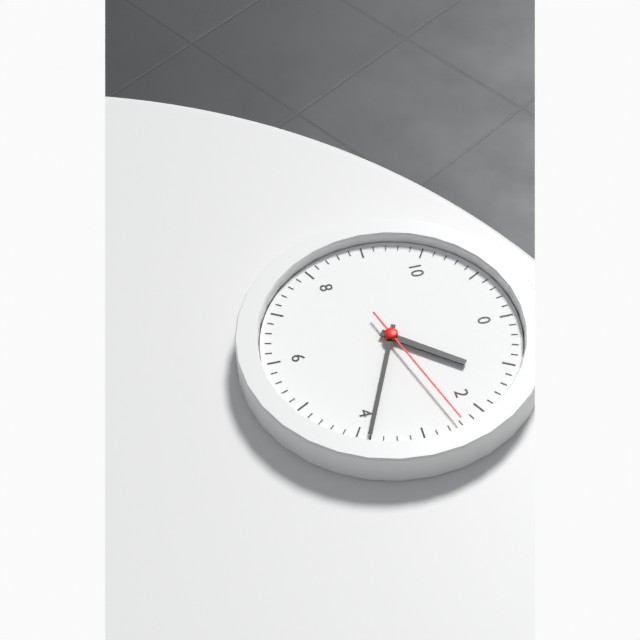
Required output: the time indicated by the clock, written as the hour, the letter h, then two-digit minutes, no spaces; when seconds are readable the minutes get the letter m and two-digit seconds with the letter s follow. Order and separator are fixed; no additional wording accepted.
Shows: 1h19m12s
